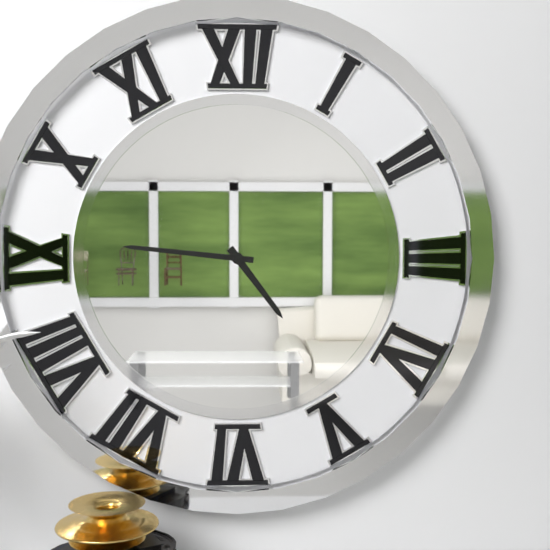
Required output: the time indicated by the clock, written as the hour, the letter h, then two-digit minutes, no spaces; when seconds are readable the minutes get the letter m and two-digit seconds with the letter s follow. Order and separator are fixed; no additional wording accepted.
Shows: 4h46
